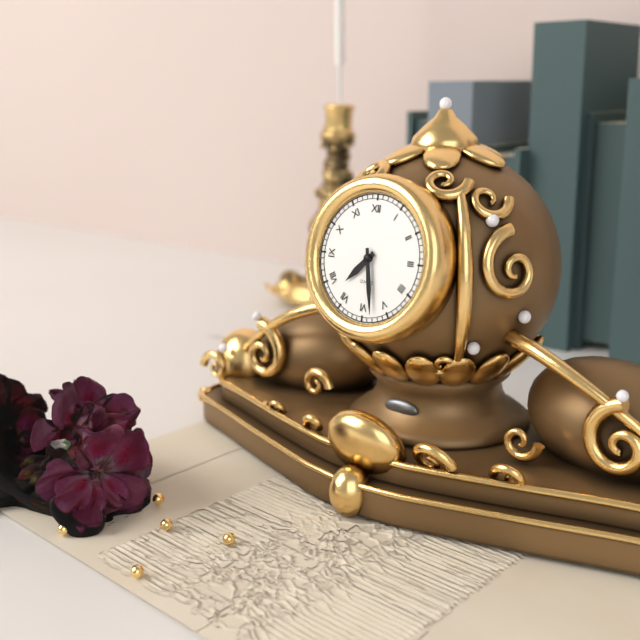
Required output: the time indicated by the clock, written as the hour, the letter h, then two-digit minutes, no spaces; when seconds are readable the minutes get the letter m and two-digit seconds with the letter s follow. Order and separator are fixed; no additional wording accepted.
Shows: 7h28
